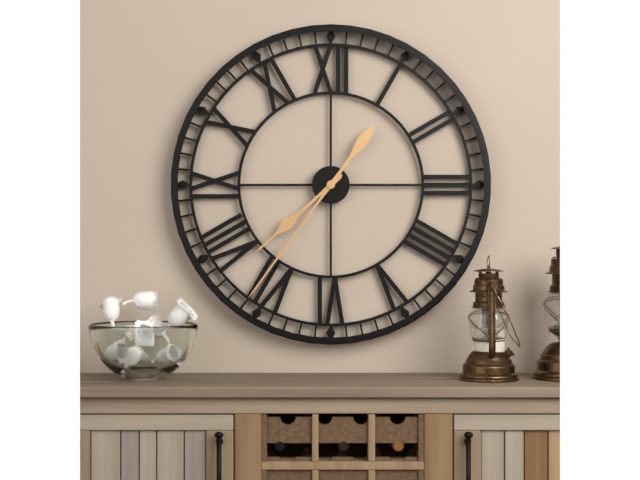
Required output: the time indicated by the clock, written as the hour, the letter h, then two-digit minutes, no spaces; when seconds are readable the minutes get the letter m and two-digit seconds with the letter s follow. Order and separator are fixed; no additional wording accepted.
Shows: 7h36
